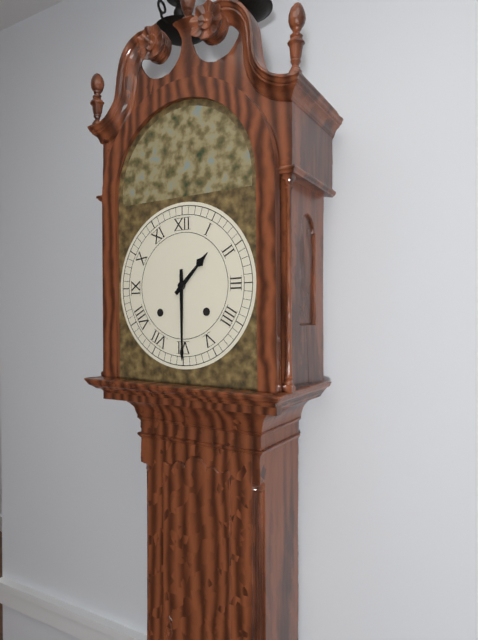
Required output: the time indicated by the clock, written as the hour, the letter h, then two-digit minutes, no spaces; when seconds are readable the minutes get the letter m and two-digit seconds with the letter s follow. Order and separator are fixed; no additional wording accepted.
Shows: 1h30
